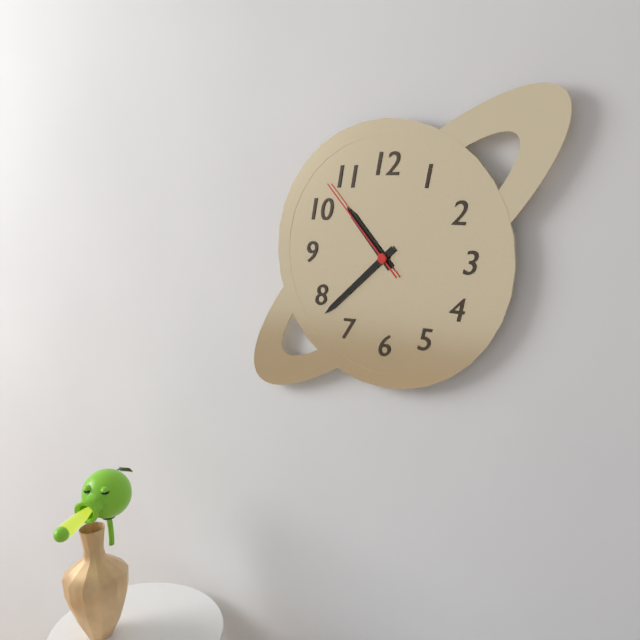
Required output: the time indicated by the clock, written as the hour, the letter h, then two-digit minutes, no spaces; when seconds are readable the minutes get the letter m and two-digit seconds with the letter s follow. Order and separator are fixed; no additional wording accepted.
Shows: 10h38m53s
